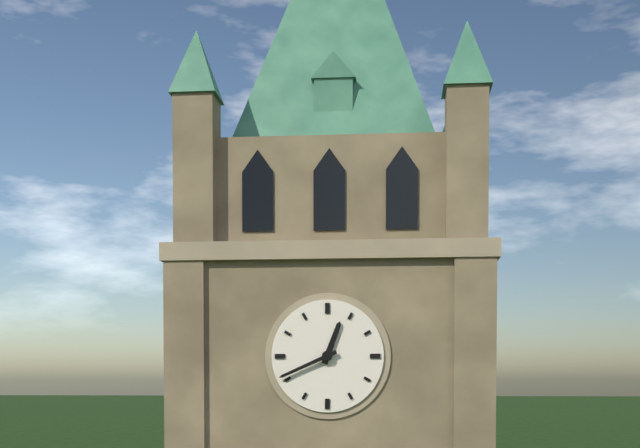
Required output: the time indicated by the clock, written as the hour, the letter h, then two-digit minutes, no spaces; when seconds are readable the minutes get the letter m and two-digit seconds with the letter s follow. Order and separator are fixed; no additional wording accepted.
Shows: 12h41
